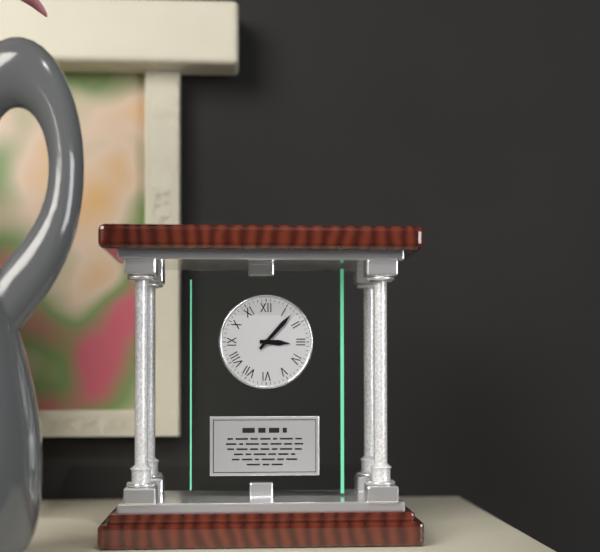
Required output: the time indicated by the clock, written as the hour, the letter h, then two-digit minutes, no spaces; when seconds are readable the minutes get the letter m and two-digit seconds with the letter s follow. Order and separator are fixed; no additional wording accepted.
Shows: 3h07
